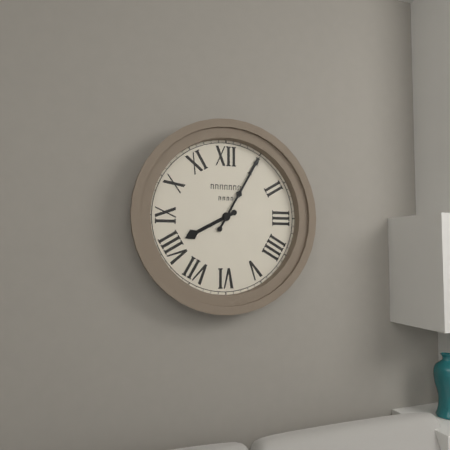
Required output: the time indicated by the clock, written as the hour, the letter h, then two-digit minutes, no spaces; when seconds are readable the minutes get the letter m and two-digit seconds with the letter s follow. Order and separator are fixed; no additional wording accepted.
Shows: 8h05
